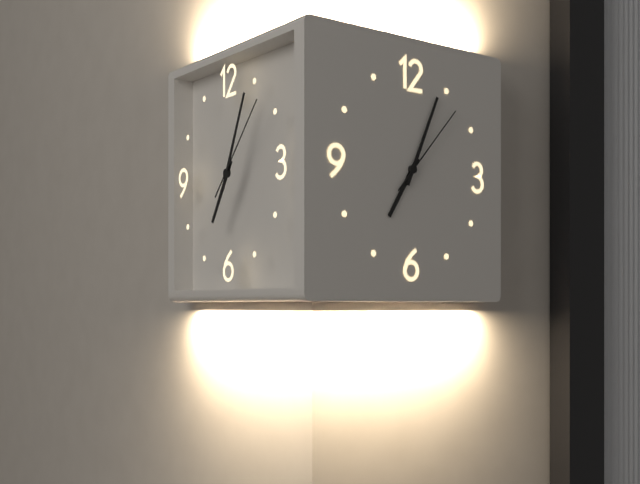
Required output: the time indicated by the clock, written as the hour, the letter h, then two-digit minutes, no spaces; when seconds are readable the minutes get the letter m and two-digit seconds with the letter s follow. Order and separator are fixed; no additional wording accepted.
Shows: 7h04m07s
